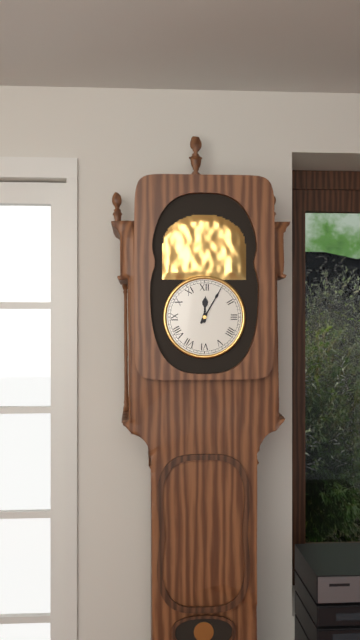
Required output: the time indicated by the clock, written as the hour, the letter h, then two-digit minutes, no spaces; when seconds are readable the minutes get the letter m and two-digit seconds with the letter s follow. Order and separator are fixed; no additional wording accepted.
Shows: 12h05
